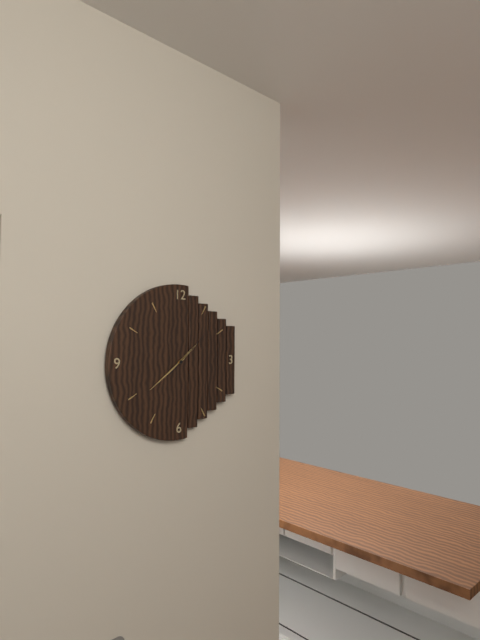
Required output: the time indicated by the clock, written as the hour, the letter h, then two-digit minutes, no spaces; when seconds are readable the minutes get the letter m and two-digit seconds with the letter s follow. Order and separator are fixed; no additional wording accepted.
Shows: 1h39
